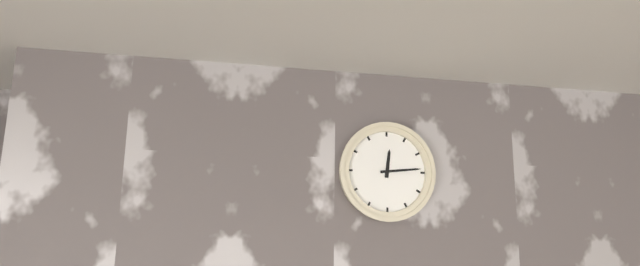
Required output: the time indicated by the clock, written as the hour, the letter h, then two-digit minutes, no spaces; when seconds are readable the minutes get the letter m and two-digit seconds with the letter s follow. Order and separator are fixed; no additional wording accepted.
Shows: 12h14
